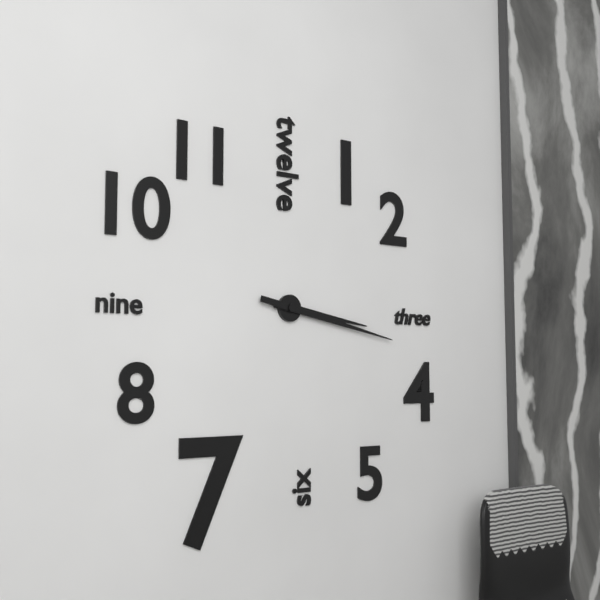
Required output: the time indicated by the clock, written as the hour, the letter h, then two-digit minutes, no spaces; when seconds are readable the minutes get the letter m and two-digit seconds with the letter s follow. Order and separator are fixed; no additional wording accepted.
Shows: 3h17
